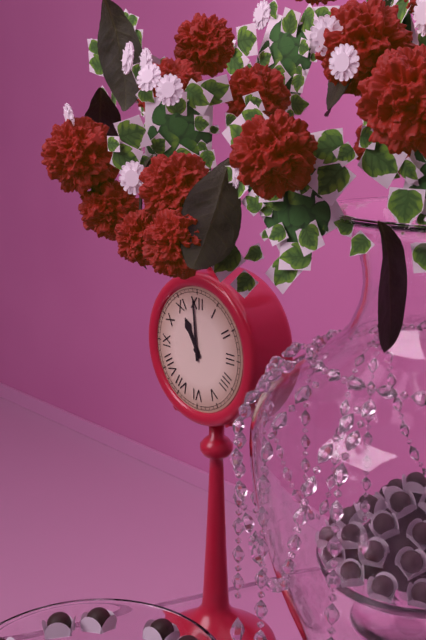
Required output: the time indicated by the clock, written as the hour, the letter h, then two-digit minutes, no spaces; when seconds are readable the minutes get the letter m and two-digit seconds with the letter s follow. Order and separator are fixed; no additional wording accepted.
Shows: 10h59
